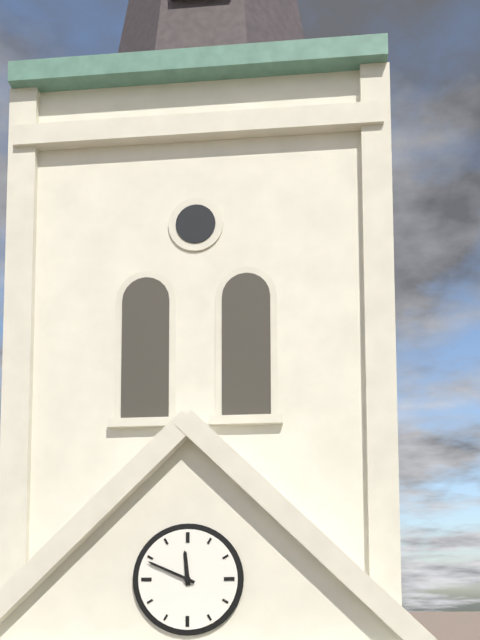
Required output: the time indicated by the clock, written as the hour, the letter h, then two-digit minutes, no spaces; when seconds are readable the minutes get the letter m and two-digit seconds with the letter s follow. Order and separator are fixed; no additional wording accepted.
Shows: 11h49
